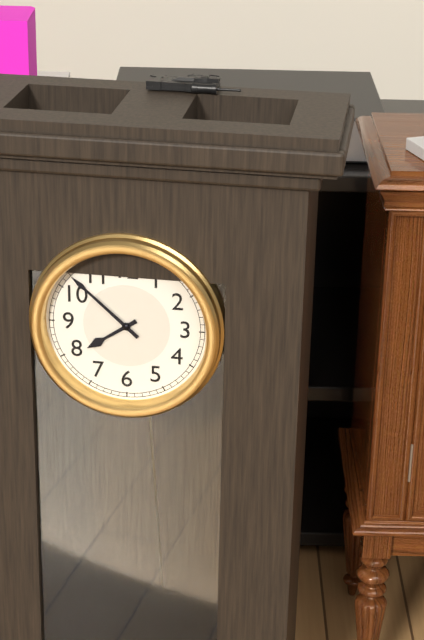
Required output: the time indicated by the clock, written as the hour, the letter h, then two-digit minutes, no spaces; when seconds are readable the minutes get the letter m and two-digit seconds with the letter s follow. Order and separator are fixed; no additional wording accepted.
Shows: 7h52
